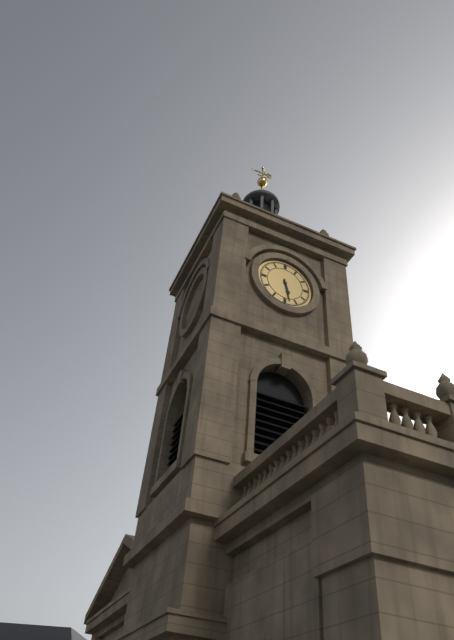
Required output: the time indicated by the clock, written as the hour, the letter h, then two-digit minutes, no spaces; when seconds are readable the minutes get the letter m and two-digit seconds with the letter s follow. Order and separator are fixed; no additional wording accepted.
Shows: 5h28
